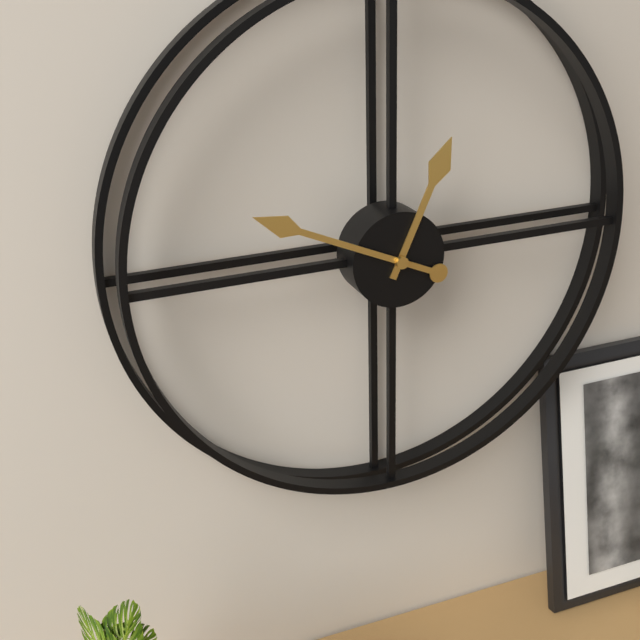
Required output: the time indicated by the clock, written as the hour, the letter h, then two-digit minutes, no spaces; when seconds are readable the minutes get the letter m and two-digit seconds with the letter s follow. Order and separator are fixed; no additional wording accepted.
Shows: 12h49
